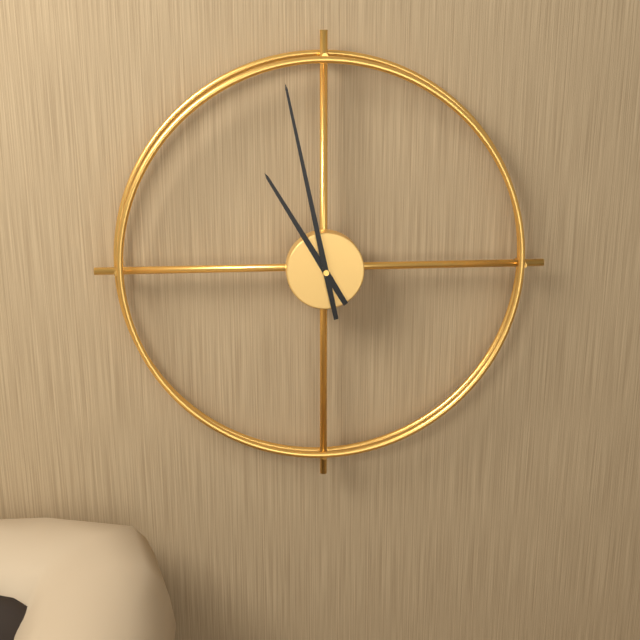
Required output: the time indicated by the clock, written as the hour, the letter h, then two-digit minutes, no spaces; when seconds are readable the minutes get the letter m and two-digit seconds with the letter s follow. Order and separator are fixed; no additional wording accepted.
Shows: 10h58
